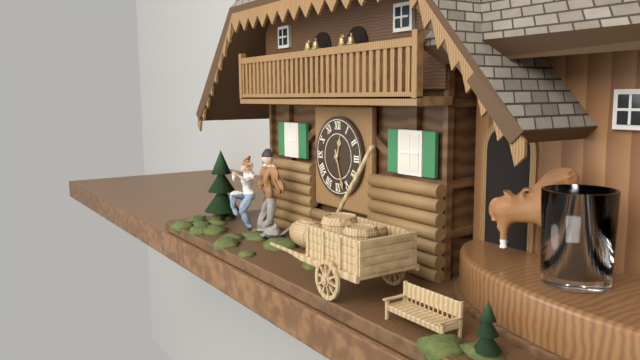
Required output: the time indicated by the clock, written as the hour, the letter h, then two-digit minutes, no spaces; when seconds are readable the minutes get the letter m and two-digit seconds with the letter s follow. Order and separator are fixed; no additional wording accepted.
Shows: 12h27
